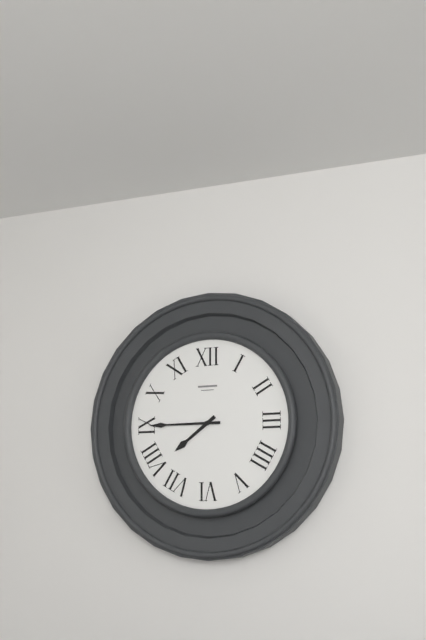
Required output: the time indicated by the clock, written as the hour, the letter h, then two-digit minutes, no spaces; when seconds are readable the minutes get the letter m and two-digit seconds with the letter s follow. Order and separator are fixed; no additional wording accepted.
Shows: 7h45
